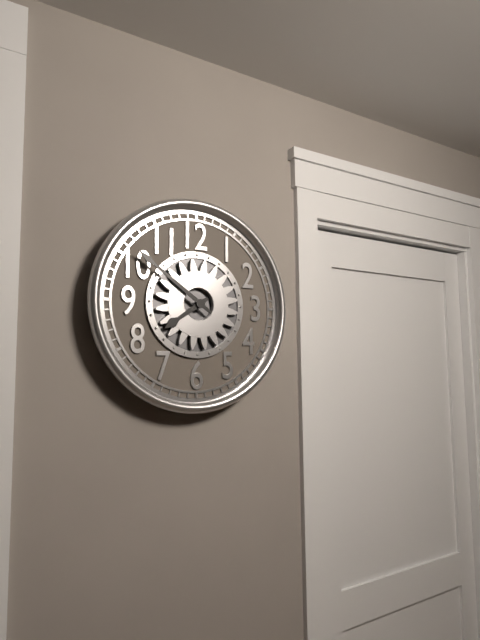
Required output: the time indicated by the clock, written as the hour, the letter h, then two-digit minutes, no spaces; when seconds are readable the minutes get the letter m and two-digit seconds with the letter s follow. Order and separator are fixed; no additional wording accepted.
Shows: 7h51
